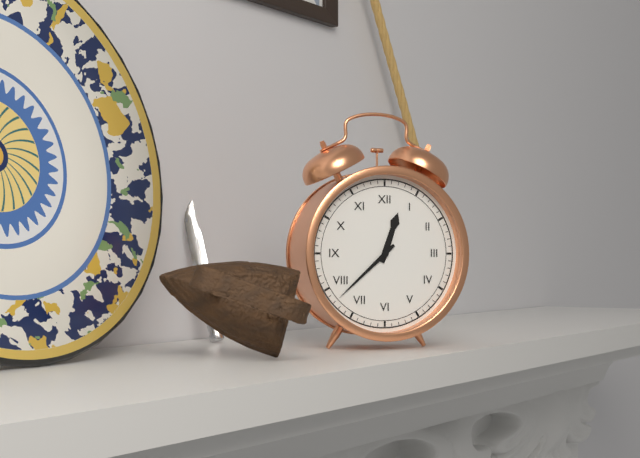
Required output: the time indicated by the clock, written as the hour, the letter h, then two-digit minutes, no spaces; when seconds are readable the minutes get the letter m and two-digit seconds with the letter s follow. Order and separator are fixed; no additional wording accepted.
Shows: 12h38
